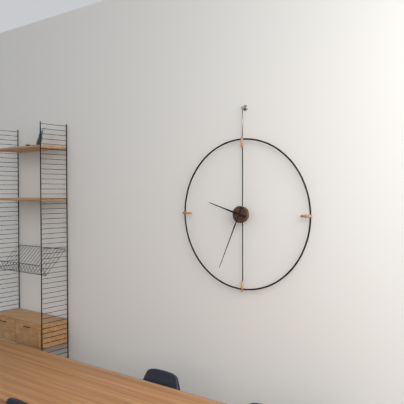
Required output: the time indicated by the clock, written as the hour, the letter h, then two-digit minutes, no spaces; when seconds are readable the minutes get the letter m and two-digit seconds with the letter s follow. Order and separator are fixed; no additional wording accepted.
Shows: 9h34
